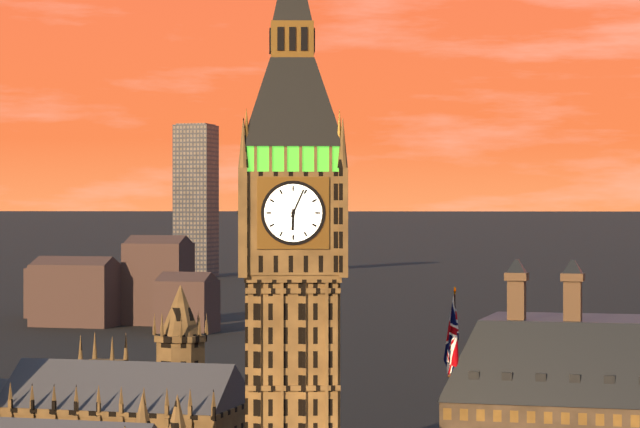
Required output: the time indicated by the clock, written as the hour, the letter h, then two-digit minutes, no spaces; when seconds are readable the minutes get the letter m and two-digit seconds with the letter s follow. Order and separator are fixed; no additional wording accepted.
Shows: 6h04
